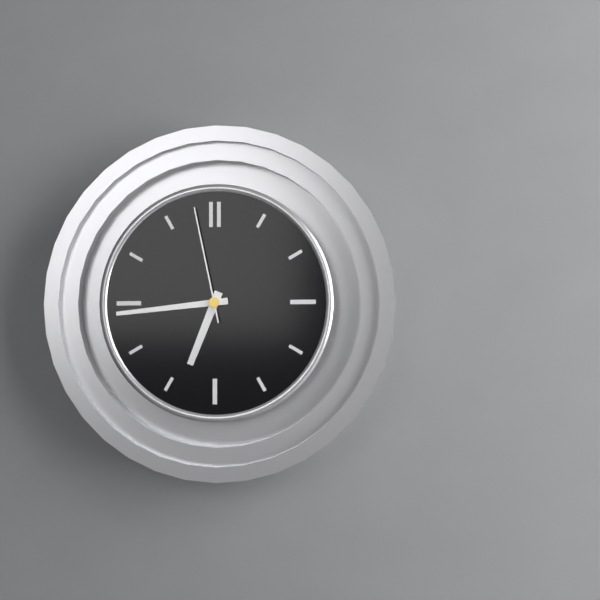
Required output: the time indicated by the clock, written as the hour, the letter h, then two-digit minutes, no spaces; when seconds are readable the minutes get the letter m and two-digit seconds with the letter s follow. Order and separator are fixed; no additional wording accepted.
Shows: 6h44m58s
